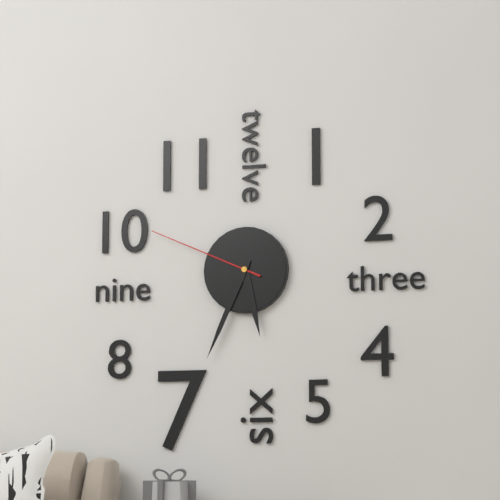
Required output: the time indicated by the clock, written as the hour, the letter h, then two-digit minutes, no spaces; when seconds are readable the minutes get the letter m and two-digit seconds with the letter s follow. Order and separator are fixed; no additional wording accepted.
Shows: 5h34m49s
